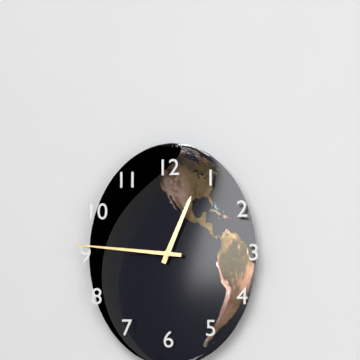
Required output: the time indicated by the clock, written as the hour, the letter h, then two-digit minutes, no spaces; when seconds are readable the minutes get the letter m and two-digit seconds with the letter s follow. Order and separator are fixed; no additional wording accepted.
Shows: 12h46
